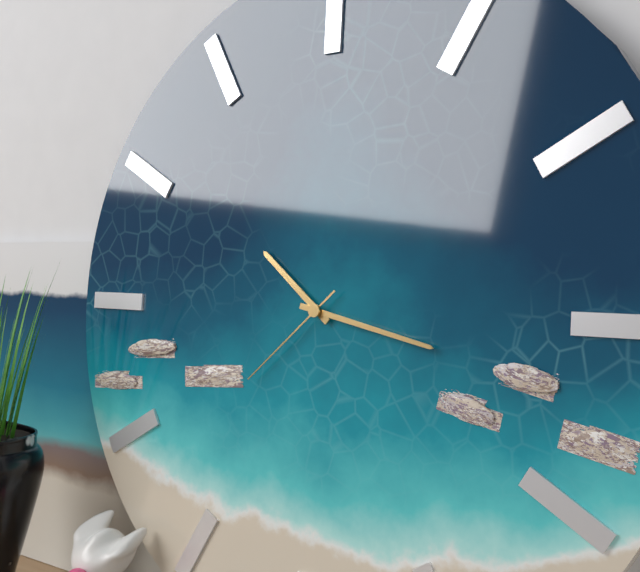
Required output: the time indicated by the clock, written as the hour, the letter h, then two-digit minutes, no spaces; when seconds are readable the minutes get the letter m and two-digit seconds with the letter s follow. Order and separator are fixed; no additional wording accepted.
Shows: 10h17m38s
